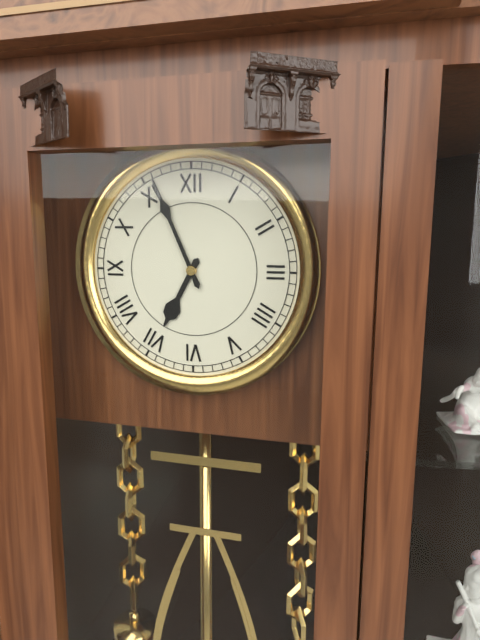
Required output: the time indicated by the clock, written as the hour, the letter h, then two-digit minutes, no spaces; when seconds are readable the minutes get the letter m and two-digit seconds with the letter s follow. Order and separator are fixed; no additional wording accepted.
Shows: 6h56
